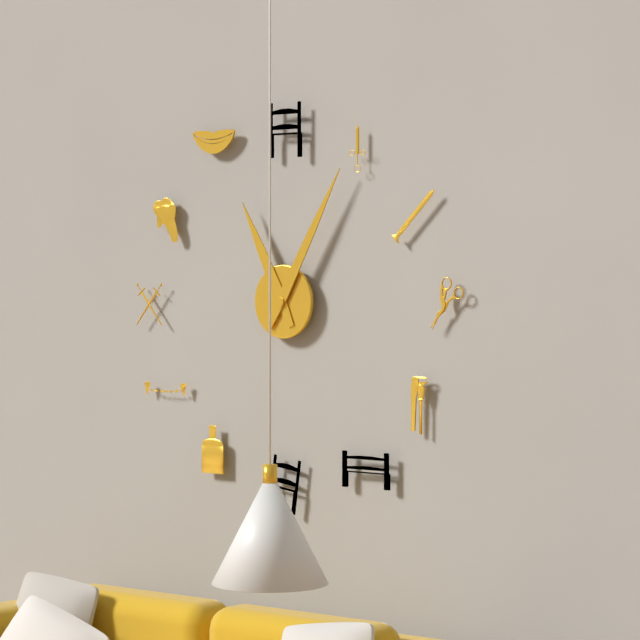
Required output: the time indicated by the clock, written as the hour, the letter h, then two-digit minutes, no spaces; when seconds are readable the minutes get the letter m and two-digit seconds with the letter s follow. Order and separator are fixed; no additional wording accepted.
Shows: 11h05
